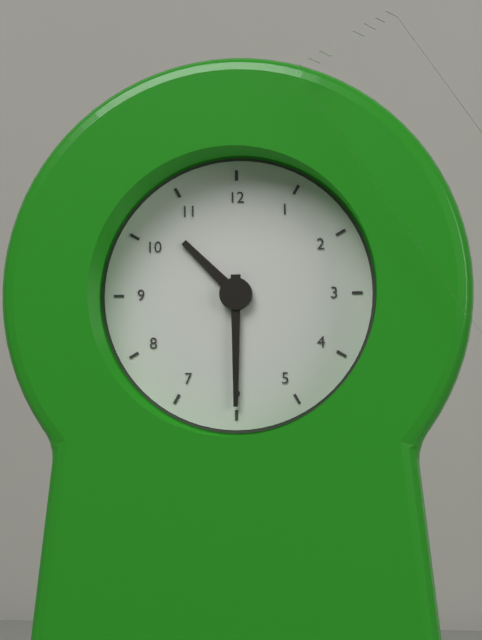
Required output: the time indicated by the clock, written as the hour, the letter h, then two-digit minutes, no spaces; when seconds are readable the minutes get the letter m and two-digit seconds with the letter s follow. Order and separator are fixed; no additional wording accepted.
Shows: 10h30
